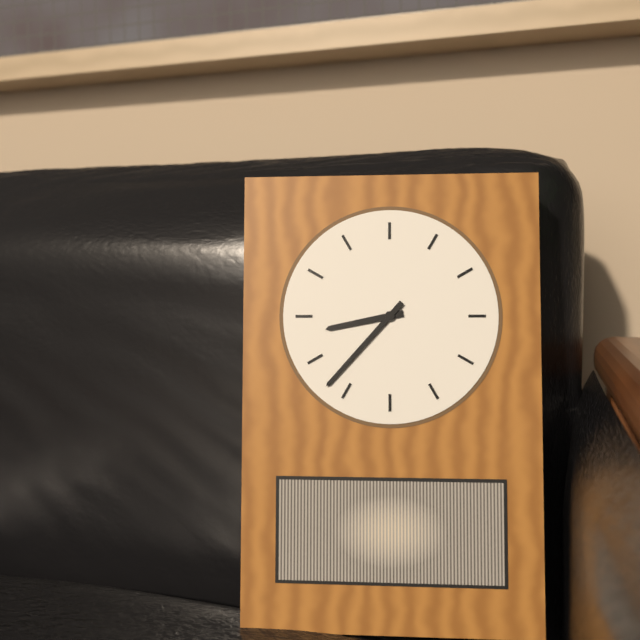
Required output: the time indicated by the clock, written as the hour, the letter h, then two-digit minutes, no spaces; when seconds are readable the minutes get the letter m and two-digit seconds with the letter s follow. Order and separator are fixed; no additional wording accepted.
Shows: 8h37
